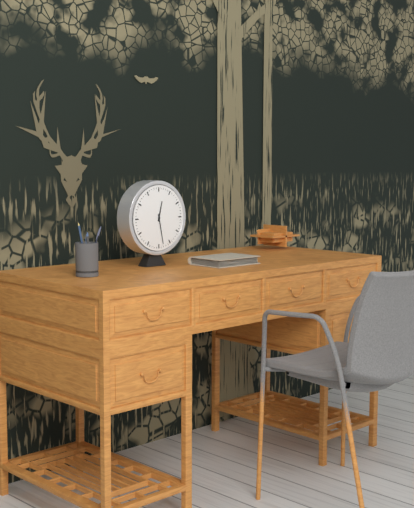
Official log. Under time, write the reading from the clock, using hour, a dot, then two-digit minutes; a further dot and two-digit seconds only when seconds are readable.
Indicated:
12.28
